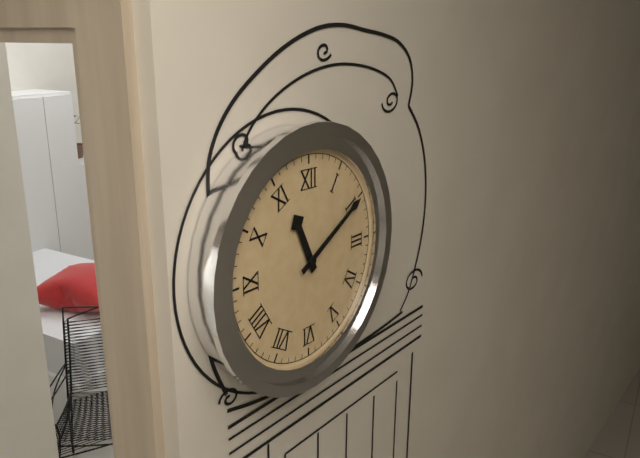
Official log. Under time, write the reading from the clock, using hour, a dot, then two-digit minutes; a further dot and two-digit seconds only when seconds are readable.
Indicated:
11.10
